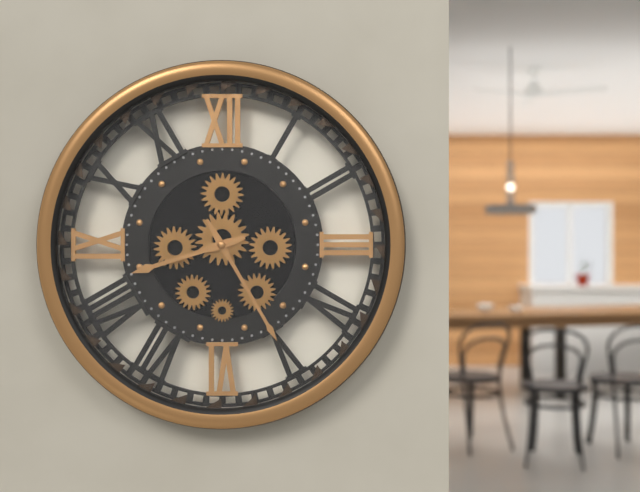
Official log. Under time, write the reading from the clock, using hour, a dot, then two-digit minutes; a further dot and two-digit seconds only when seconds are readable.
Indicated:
8.25
